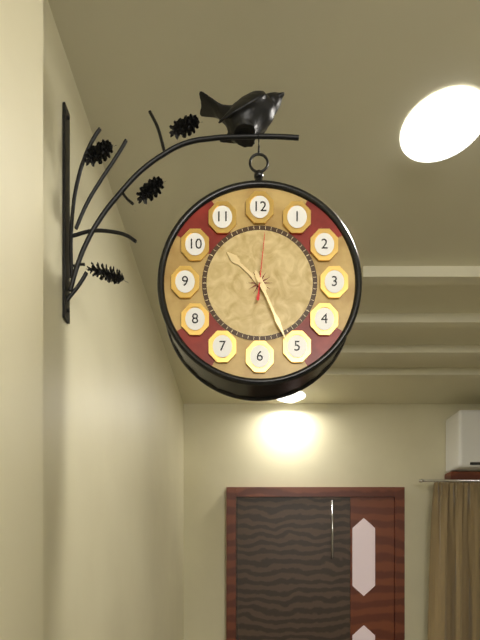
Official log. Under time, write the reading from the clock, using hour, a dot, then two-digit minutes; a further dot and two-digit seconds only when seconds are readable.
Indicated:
10.26.01
